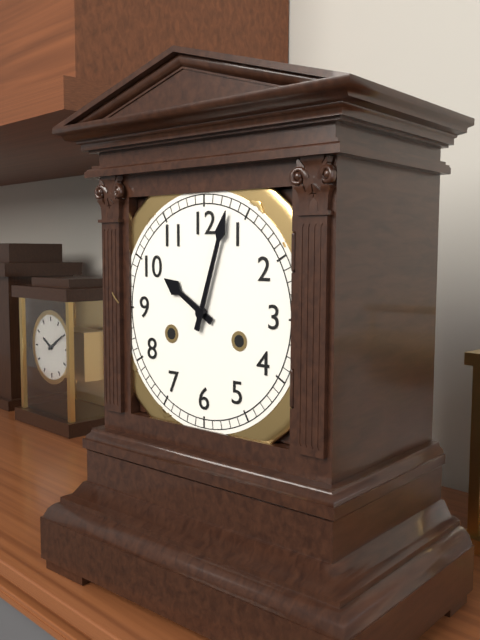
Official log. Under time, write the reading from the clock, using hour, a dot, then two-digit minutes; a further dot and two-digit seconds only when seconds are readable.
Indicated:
10.03
